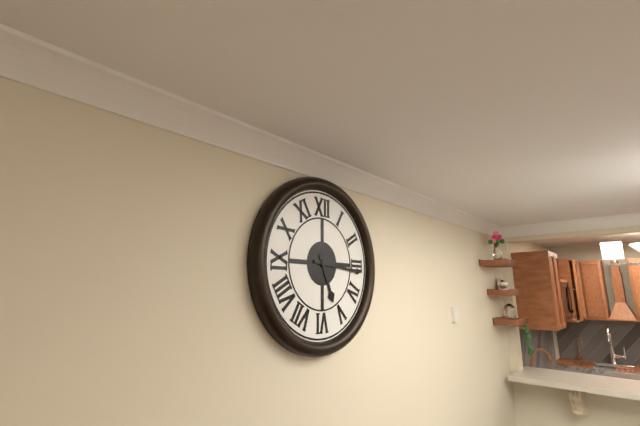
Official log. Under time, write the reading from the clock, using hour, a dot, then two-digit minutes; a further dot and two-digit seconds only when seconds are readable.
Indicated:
5.16
